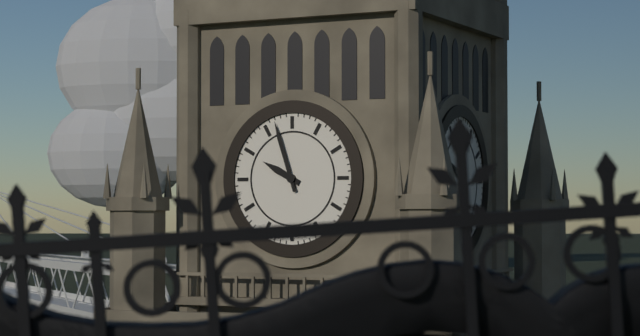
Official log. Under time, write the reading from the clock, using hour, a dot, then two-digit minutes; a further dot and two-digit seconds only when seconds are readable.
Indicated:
9.57
